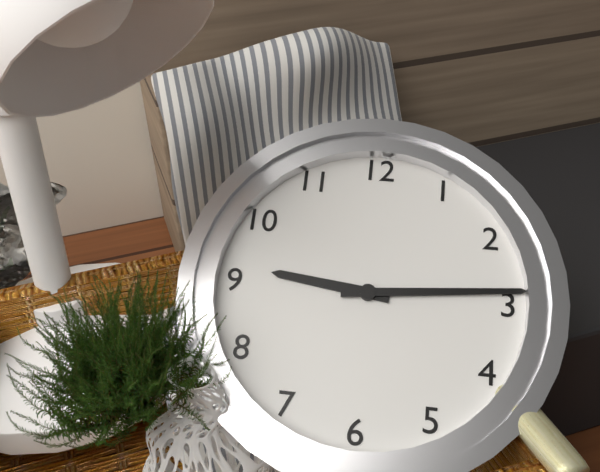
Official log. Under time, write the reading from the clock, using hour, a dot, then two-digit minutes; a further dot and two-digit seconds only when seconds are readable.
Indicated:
9.14
